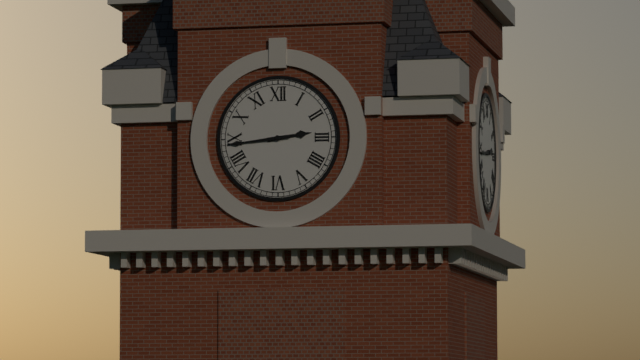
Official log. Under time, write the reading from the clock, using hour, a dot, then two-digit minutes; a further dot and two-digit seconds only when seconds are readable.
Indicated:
2.44
